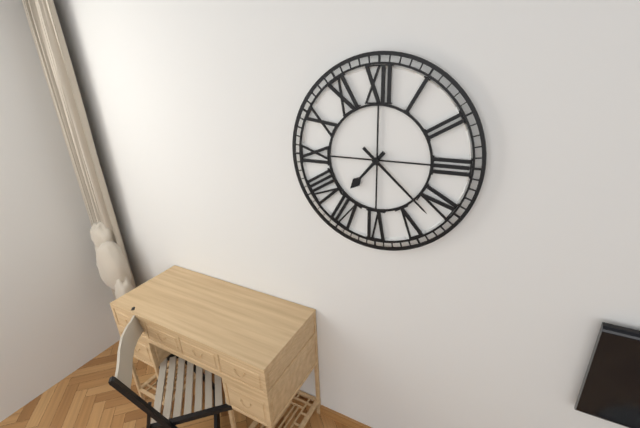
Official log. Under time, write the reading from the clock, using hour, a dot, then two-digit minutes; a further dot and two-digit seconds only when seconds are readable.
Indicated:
7.22
